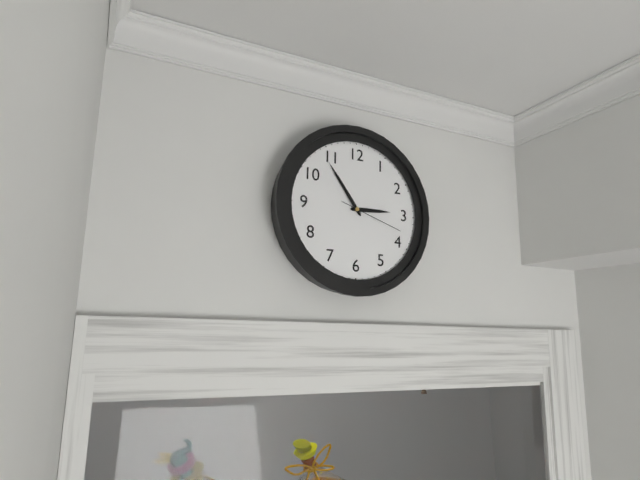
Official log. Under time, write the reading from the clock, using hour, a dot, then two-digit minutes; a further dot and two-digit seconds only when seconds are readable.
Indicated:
2.54.18
